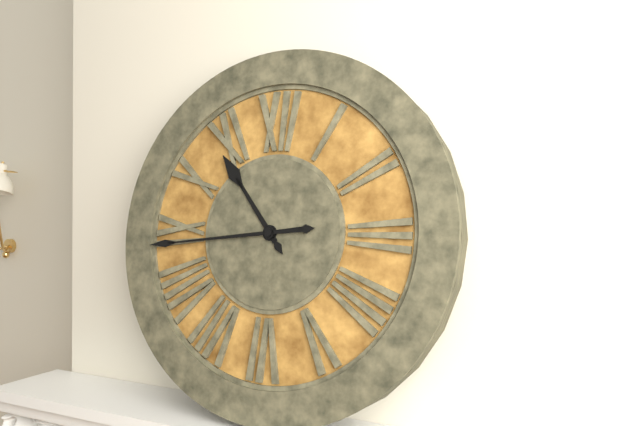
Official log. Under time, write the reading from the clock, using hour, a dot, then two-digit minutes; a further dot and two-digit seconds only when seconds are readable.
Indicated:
10.44
